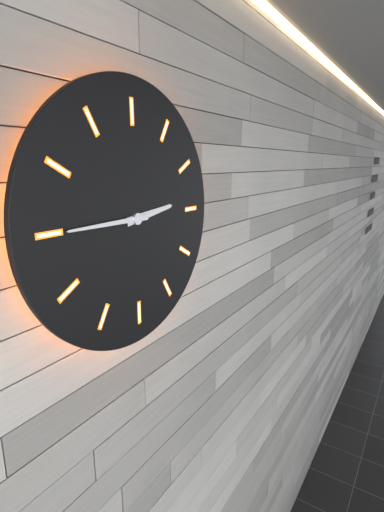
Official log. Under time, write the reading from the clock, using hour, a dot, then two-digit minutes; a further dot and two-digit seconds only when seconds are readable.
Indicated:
2.45
